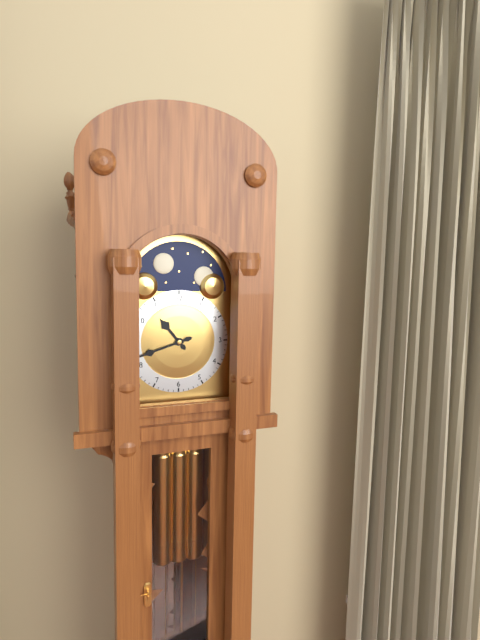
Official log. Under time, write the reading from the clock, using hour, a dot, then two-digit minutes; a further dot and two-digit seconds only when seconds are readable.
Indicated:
10.42
